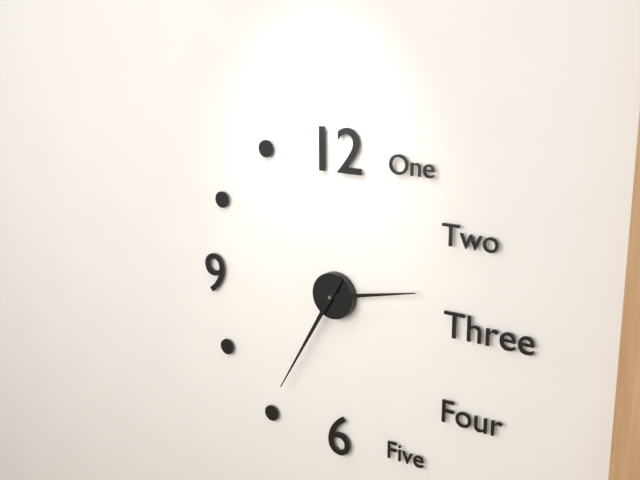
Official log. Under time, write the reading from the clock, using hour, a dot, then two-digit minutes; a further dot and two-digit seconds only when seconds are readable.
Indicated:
2.35
